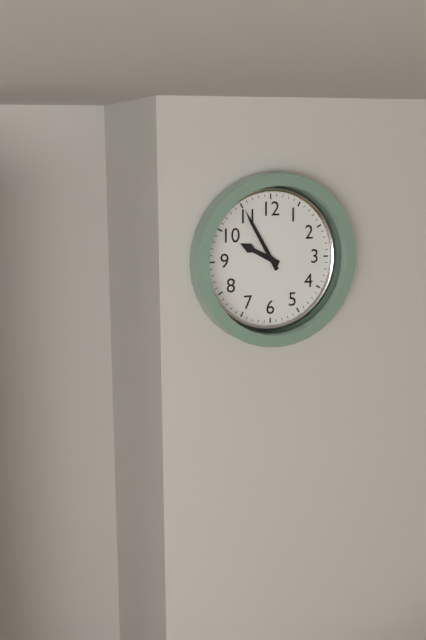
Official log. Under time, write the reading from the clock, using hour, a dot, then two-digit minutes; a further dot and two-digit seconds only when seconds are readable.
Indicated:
9.55
